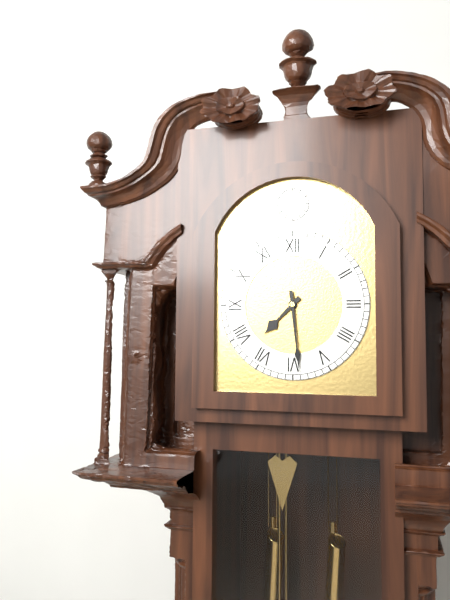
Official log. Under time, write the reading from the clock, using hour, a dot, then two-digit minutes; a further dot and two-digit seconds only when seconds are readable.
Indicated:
7.29
